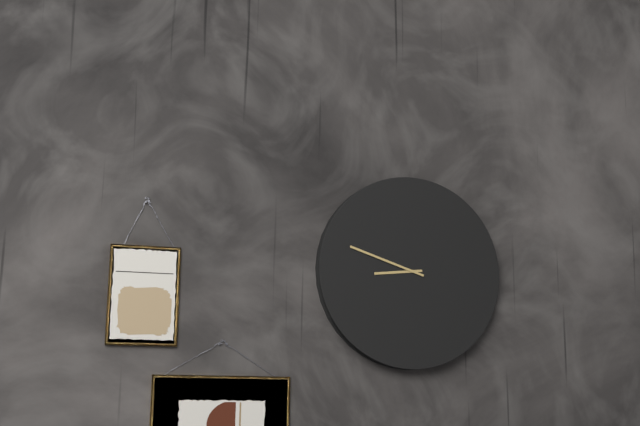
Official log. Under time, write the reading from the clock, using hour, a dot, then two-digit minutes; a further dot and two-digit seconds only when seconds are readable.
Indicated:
8.48
